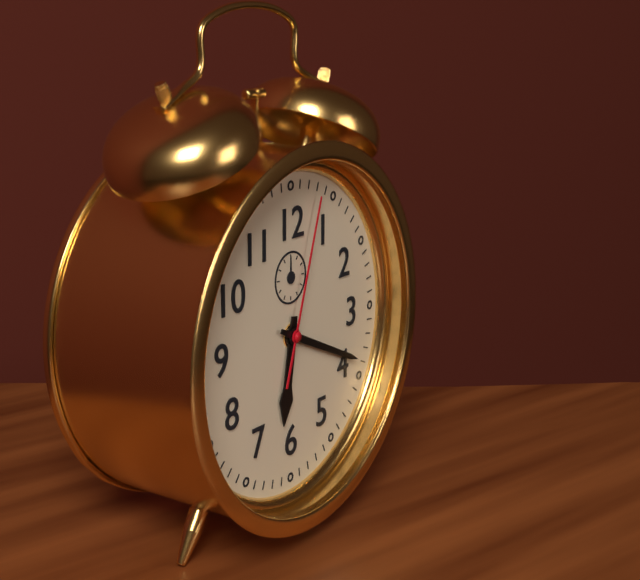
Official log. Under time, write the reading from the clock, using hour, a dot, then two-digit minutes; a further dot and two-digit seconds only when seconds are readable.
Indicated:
6.19.03
